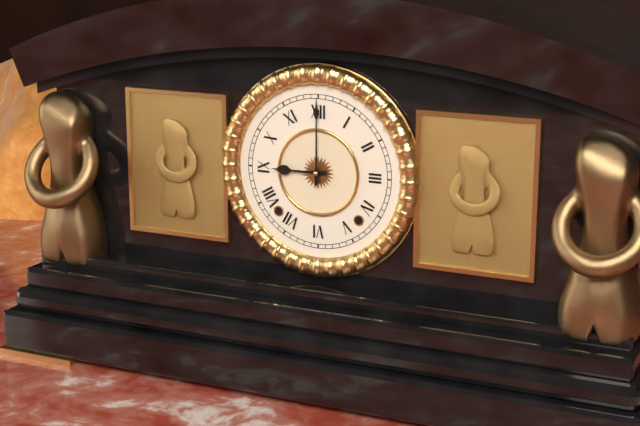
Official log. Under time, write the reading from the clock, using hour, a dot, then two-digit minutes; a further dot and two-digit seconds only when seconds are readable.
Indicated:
9.00
